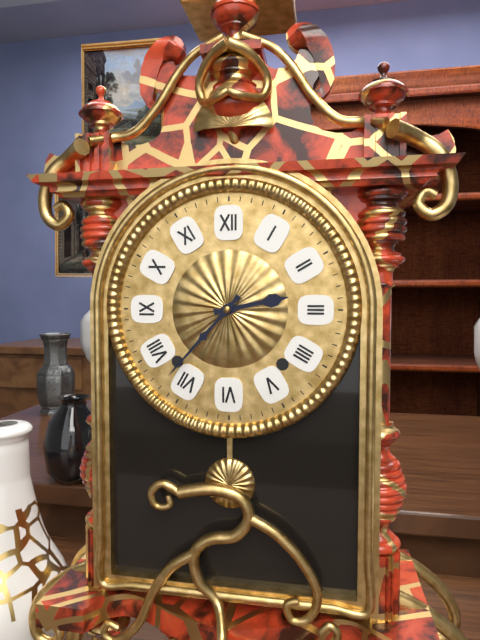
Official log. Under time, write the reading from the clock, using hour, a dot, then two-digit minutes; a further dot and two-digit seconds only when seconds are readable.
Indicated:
2.37
